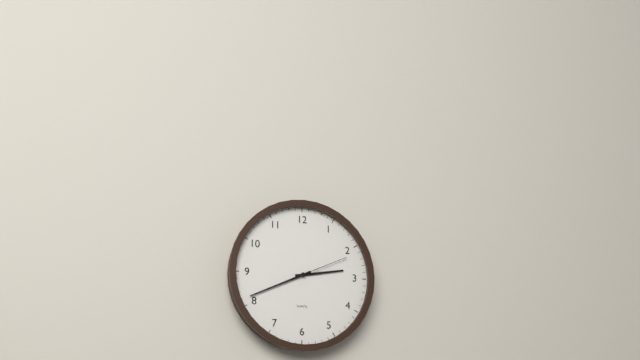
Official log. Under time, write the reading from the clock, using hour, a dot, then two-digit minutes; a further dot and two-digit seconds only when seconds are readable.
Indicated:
2.41.11
